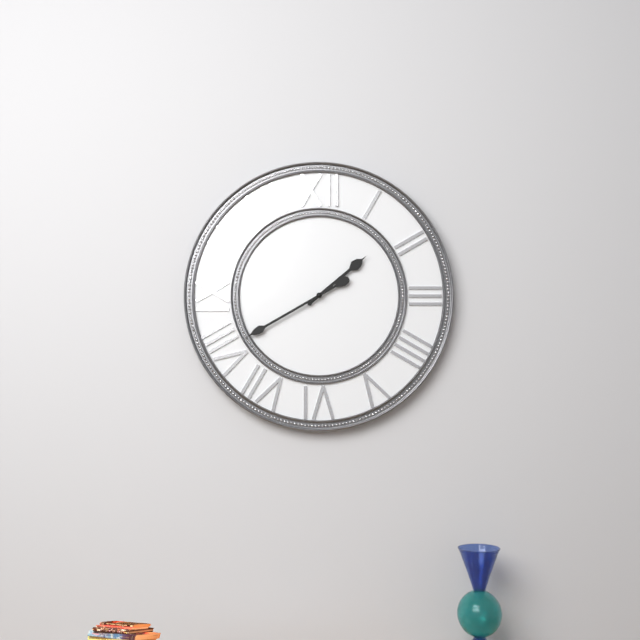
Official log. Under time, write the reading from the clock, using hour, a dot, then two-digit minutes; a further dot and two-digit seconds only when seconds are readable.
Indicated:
1.40
